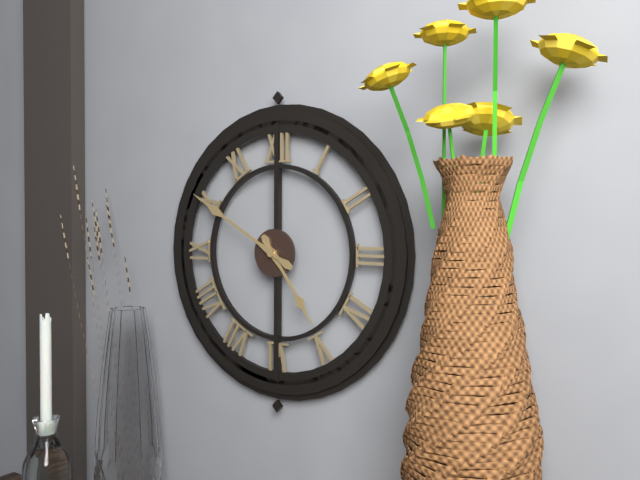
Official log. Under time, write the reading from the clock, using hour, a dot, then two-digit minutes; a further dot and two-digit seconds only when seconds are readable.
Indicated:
4.50
